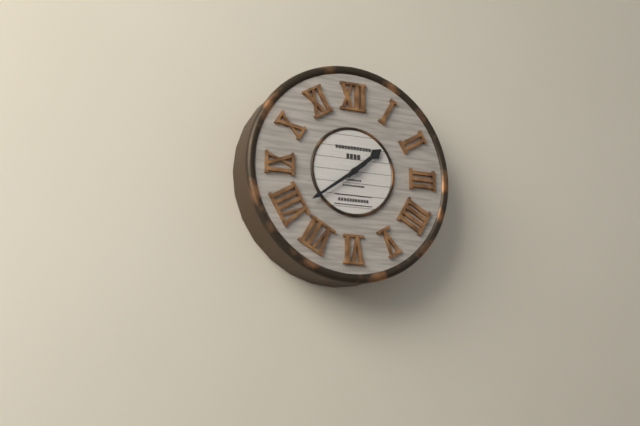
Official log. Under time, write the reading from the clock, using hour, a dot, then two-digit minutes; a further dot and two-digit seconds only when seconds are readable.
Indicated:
1.39
